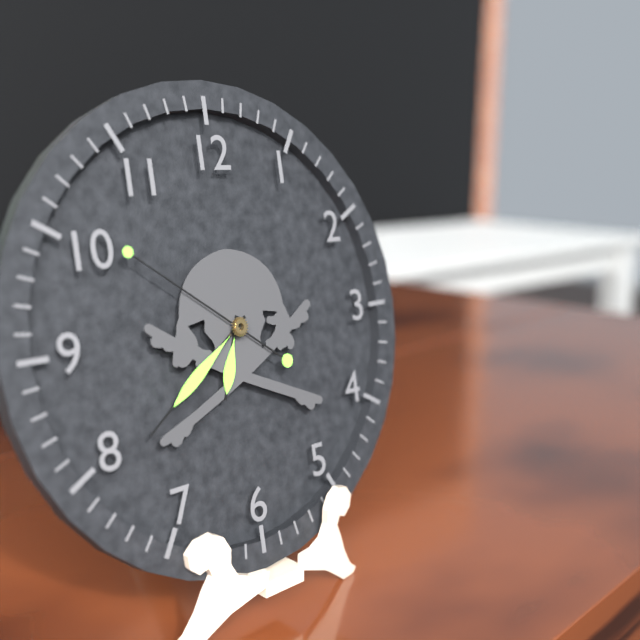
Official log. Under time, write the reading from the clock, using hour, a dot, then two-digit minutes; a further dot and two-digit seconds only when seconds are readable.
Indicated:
6.39.51
